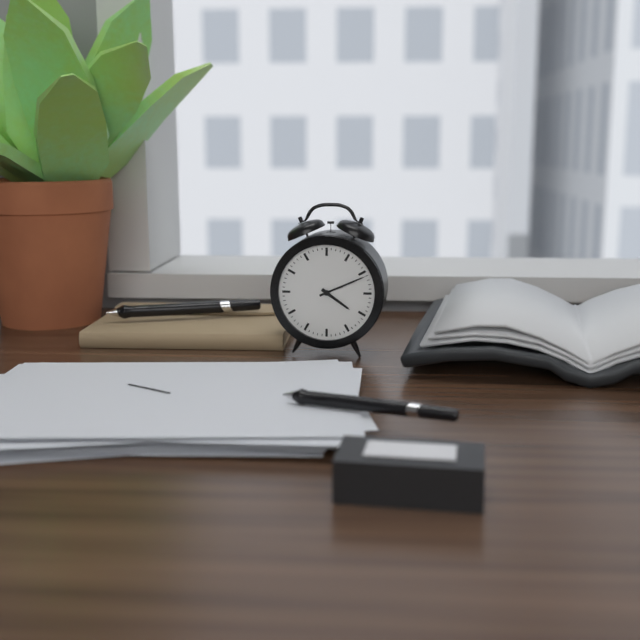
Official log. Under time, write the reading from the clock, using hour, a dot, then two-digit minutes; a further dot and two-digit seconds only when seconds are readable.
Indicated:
4.11
